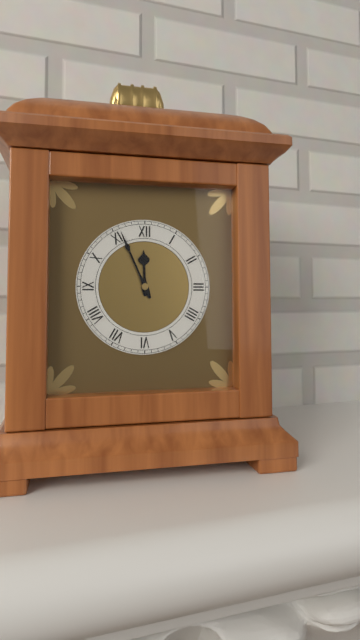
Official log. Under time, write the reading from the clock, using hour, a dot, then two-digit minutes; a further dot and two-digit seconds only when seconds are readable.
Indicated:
11.56
